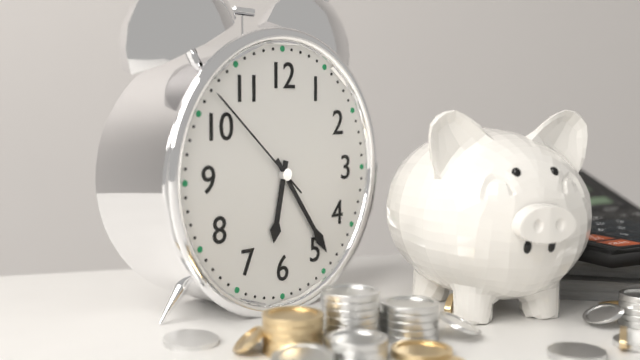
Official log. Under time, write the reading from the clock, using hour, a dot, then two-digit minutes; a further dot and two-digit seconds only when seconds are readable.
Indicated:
6.24.52
